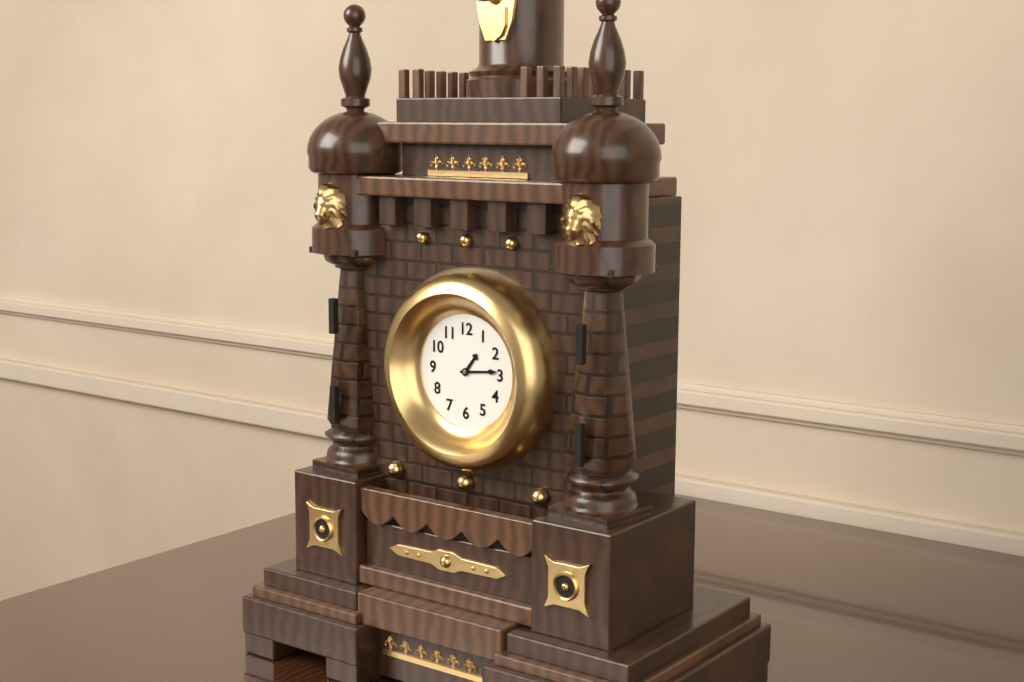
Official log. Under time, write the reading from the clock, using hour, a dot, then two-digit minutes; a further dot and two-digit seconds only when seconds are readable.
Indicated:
1.14
